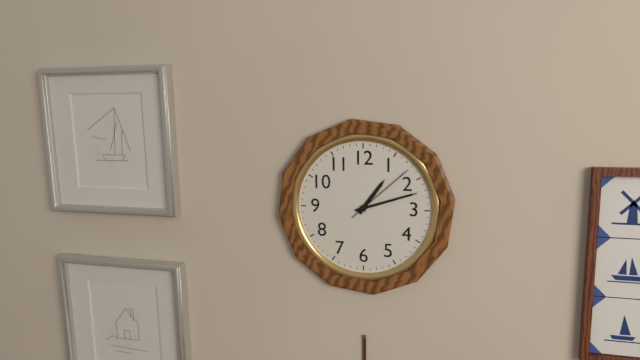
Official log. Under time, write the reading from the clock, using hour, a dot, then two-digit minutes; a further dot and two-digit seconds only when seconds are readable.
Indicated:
1.12.08
